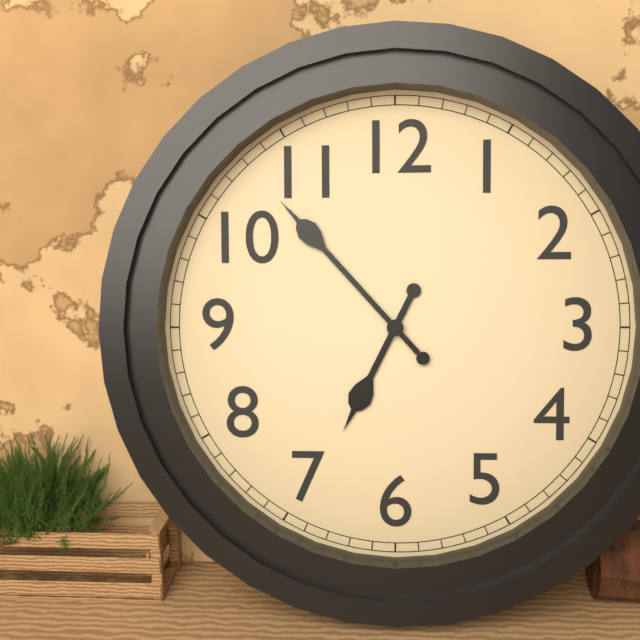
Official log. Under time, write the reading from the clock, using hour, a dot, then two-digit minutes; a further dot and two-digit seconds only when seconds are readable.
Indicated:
6.53
